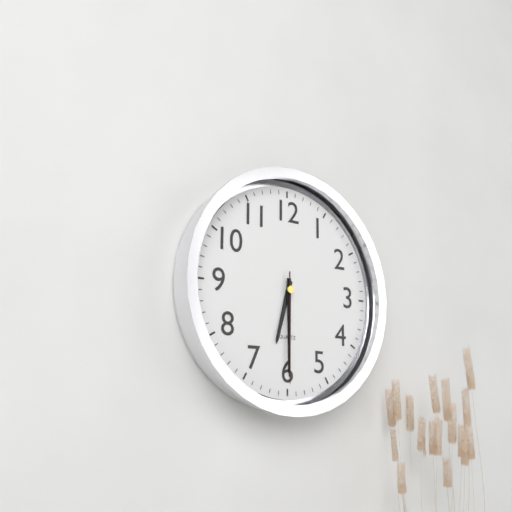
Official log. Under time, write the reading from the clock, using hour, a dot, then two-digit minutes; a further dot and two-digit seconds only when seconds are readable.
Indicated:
6.30.30
